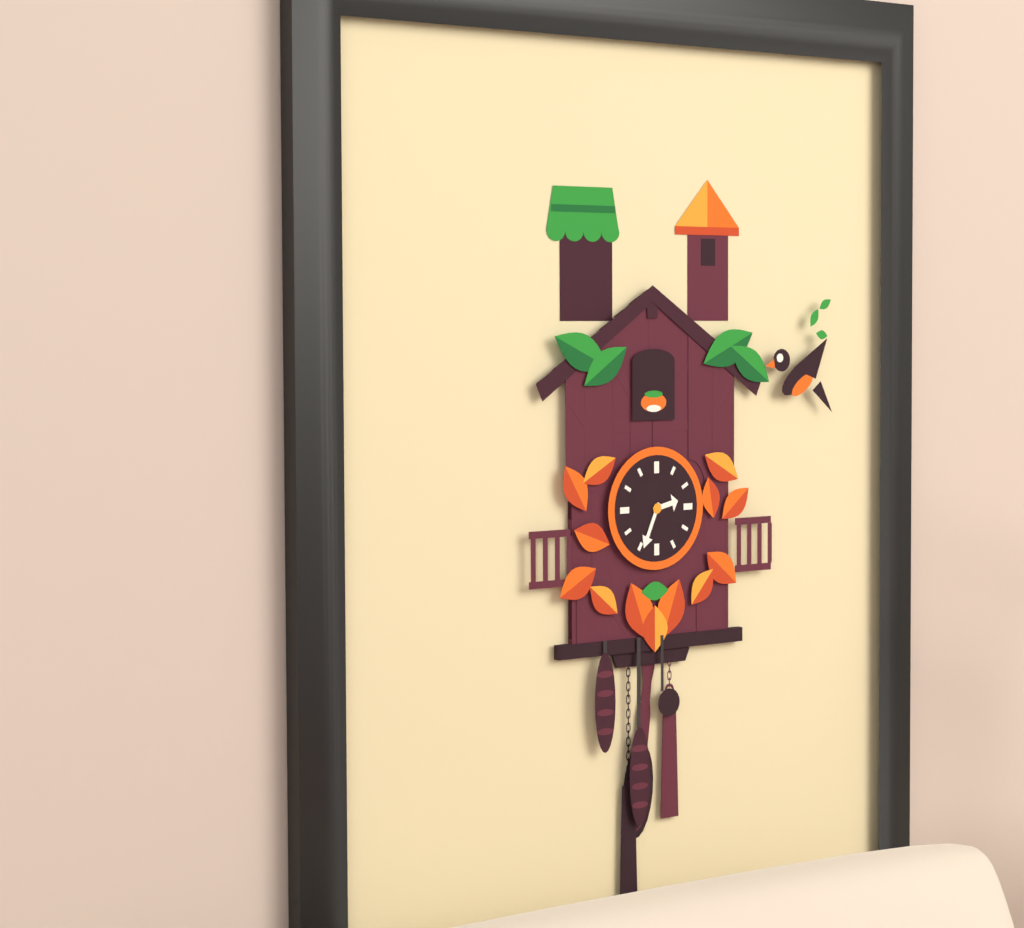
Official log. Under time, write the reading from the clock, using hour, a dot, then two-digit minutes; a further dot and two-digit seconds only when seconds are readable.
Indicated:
2.34
